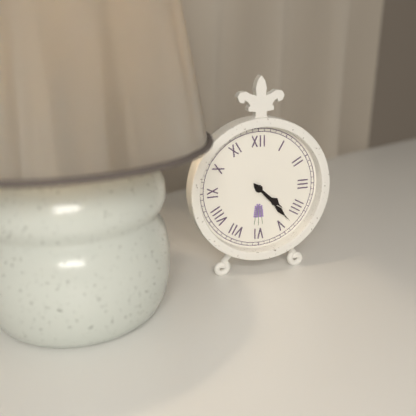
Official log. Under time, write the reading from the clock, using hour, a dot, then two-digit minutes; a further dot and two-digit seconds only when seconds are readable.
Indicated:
4.23
